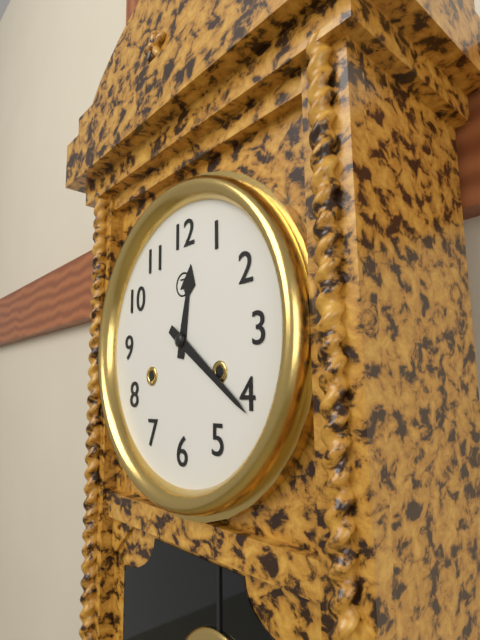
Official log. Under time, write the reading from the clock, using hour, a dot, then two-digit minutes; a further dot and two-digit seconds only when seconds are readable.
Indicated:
12.21
